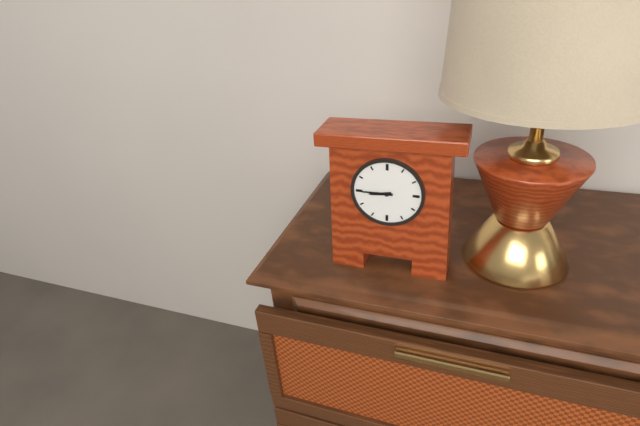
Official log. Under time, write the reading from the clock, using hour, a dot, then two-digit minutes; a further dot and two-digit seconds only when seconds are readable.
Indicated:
8.45
